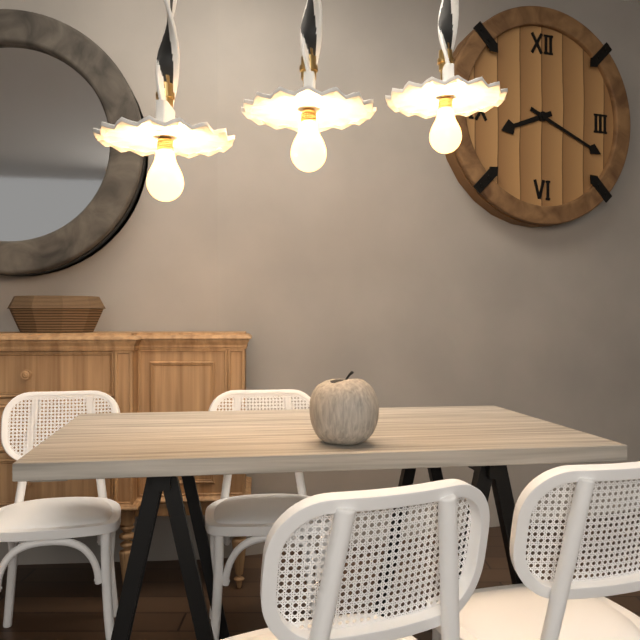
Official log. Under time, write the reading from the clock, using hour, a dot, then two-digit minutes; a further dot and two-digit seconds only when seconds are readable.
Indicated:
8.19
